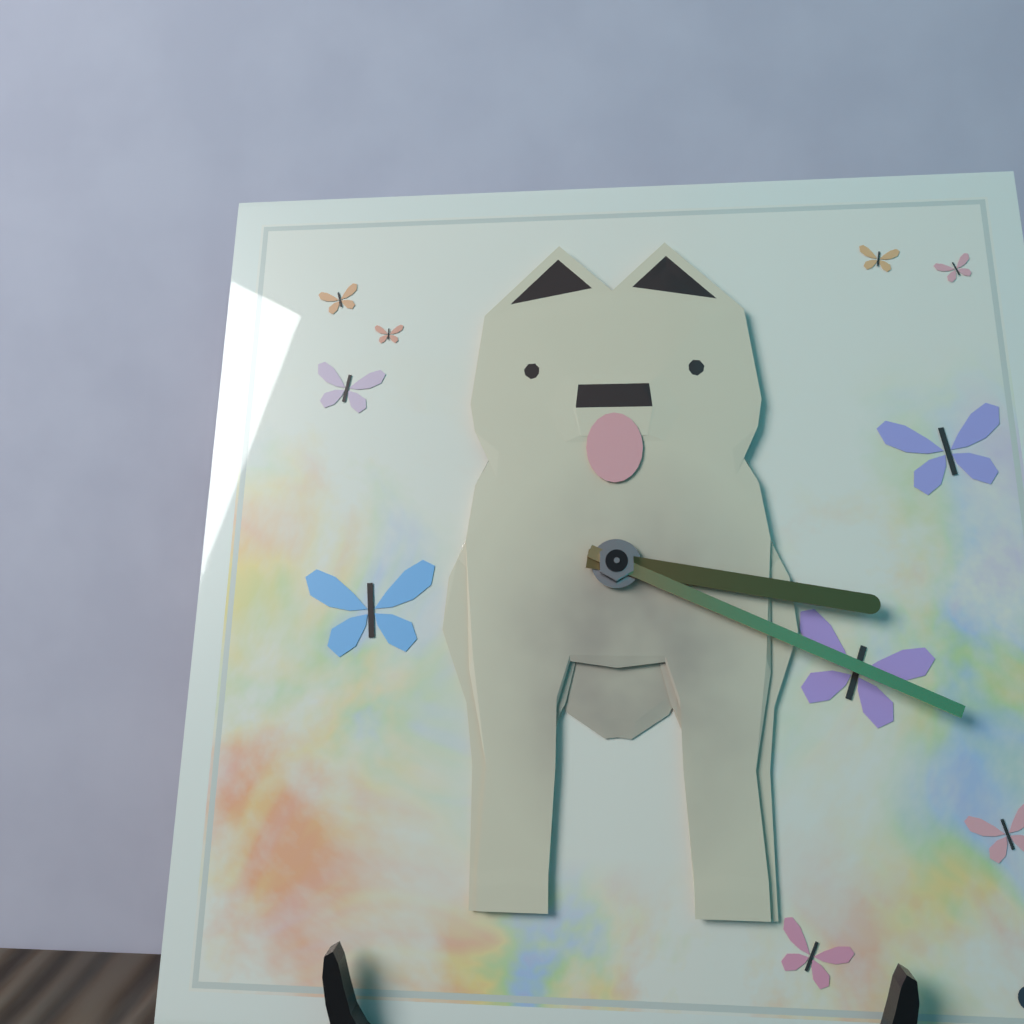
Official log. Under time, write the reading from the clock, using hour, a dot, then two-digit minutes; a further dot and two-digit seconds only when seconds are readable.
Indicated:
3.19
